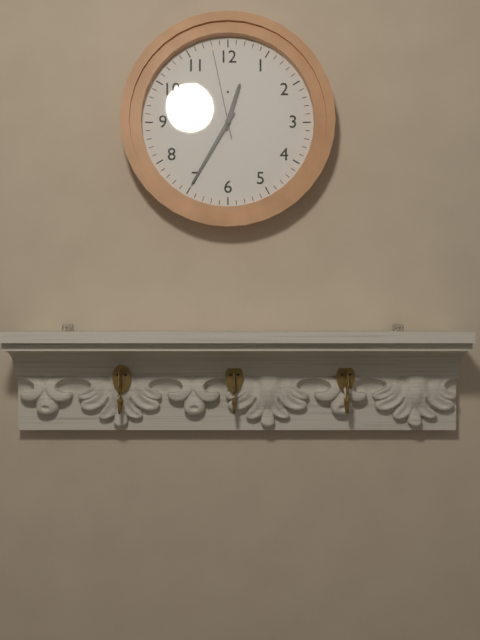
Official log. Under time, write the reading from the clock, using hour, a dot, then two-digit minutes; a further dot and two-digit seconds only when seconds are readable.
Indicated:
12.35.58
